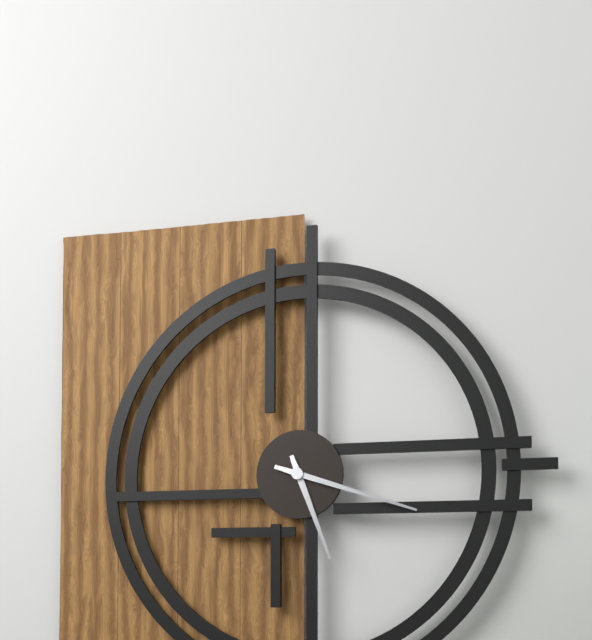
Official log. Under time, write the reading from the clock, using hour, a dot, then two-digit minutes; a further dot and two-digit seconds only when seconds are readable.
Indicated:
5.18
